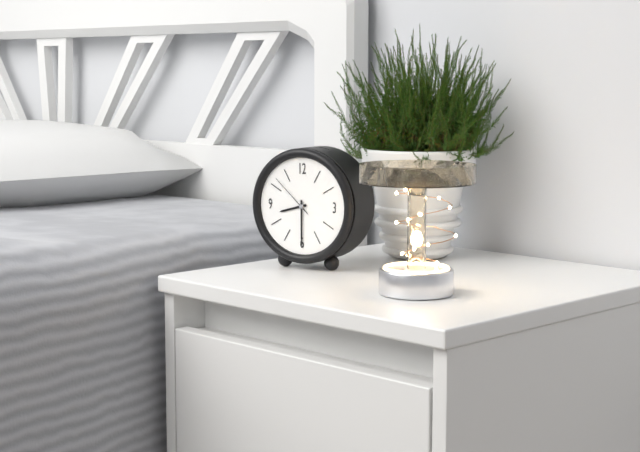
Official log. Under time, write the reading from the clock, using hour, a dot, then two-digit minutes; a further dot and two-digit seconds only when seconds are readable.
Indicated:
8.30
